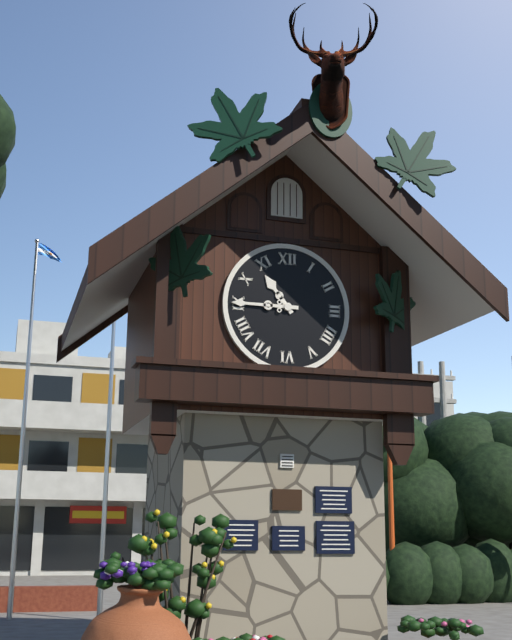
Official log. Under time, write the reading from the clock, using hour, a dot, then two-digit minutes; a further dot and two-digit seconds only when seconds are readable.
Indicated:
10.45
